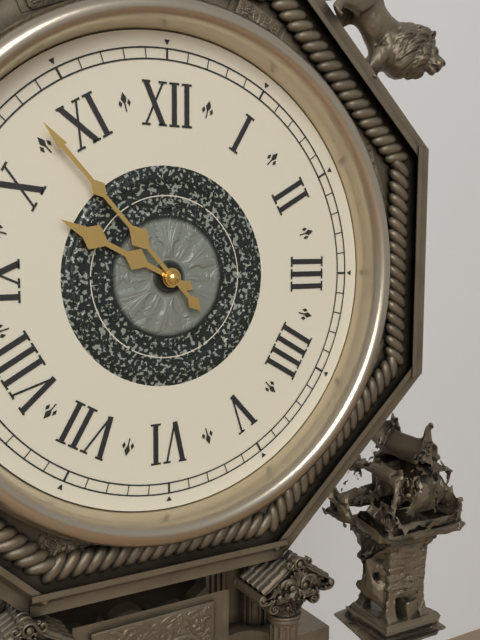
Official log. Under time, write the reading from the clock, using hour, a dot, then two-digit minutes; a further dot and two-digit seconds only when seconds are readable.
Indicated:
9.53
